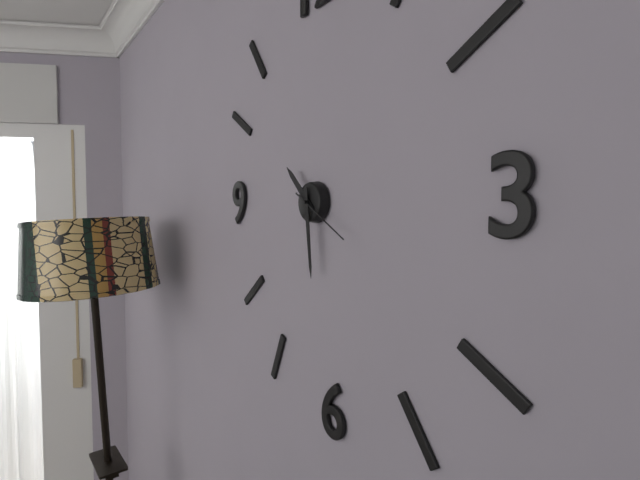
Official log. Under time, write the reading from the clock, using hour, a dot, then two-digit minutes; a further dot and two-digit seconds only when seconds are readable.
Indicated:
10.29.20
